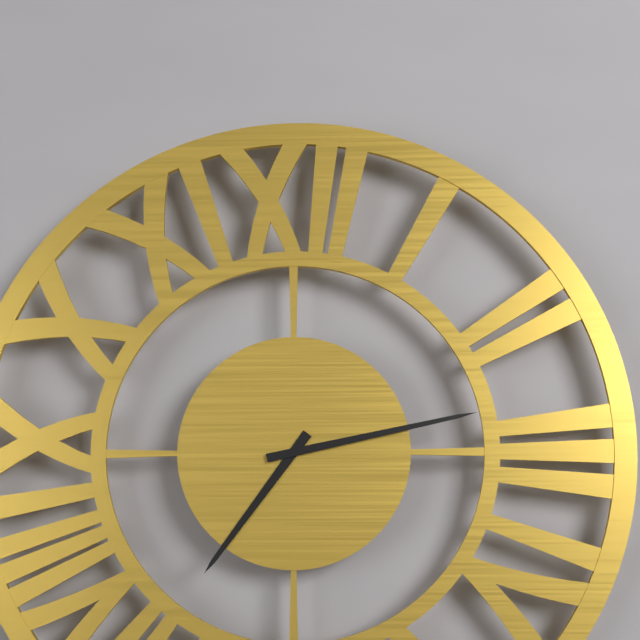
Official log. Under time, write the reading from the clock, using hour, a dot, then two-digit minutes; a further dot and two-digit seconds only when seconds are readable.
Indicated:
7.13
